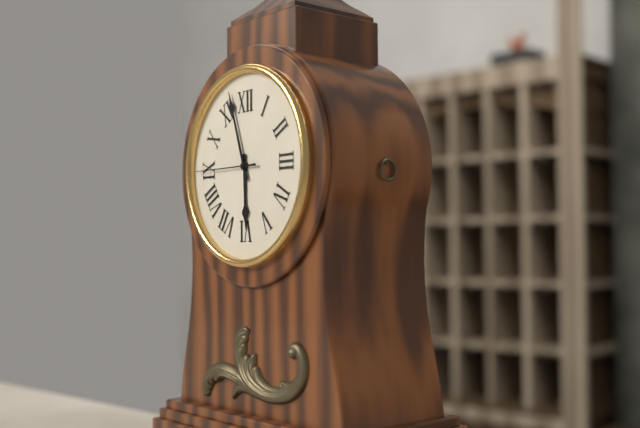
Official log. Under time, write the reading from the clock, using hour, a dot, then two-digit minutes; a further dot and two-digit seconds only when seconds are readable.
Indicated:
5.57.45
